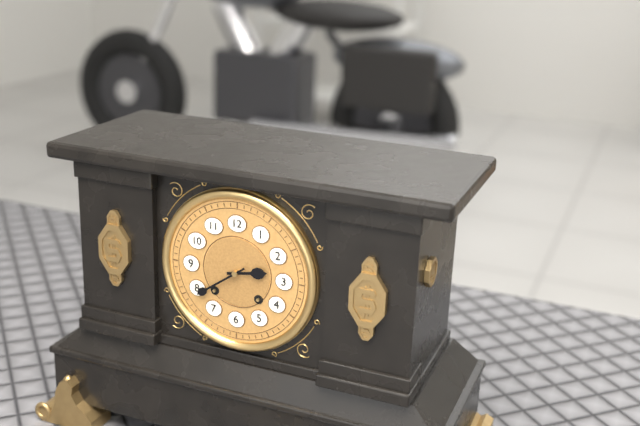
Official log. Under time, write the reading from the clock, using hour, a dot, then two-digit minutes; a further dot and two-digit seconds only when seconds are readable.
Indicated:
2.39
